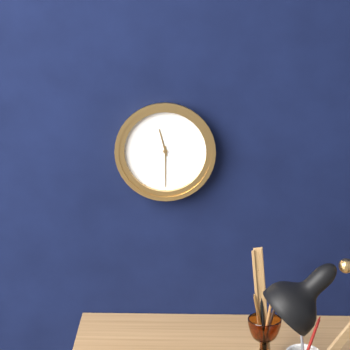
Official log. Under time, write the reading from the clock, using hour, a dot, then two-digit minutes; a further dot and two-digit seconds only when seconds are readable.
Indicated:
11.30
